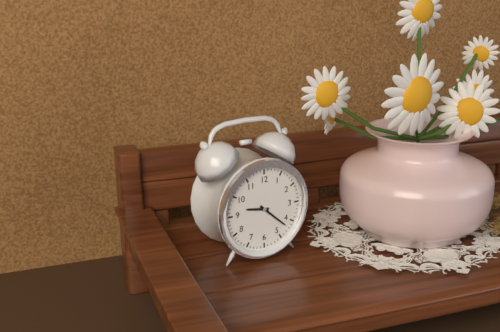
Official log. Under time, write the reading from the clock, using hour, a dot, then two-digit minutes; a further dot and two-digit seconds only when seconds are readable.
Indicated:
9.22
